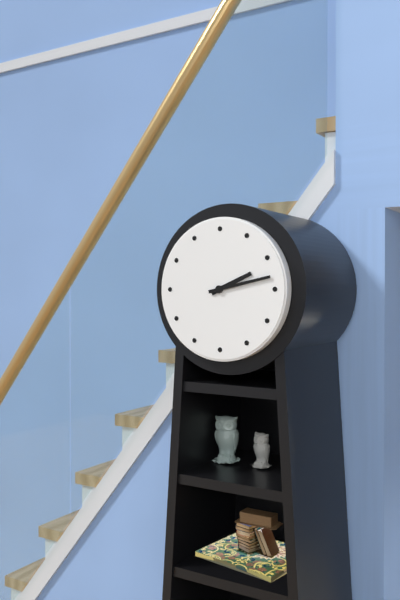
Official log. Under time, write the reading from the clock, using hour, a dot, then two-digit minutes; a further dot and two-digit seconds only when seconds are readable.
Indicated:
2.13
